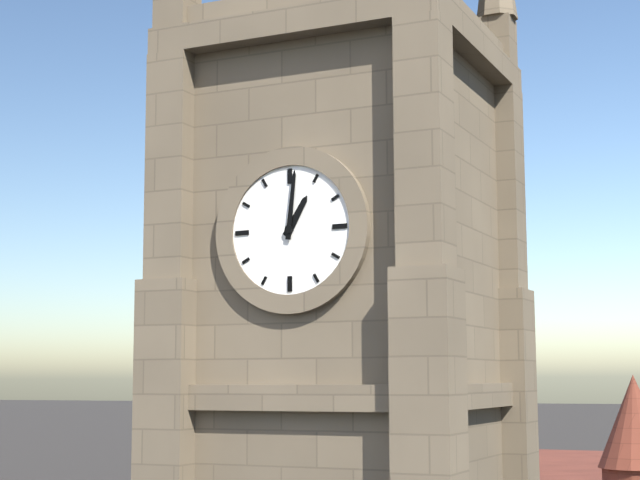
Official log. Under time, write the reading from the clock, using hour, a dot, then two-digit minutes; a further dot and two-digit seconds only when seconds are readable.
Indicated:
1.01
